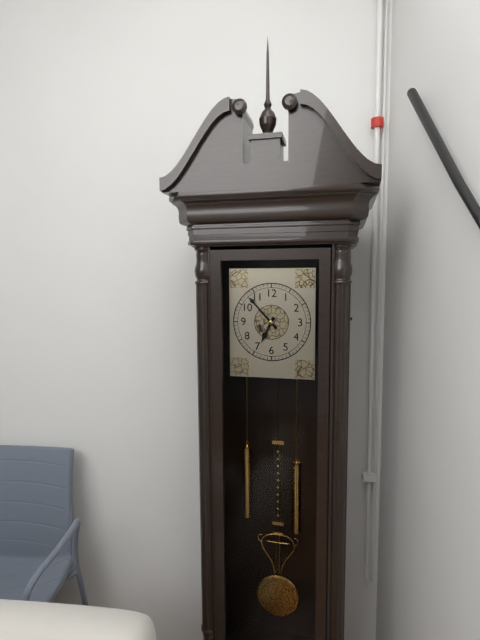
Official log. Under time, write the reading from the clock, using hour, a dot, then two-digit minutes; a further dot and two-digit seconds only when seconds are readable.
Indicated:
6.53
